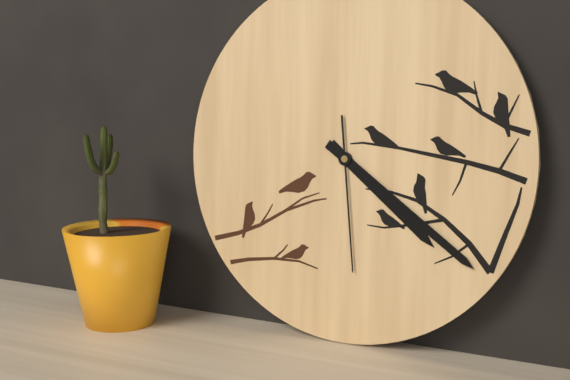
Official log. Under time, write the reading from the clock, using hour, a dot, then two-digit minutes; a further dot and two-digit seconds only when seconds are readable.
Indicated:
4.21.29
